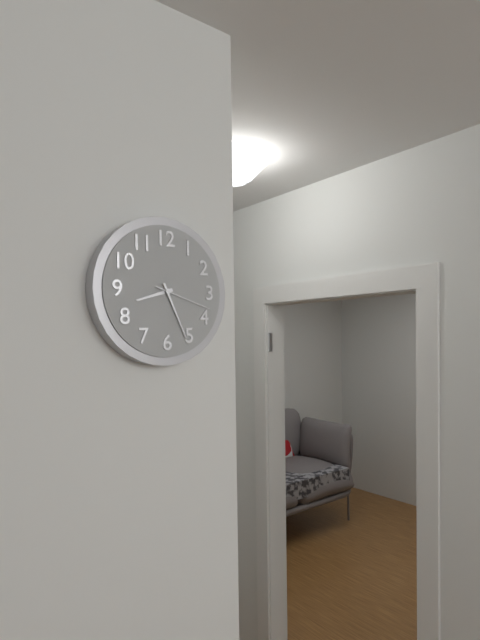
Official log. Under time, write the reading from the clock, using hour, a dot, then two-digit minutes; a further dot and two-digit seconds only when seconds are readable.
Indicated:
8.26.18
